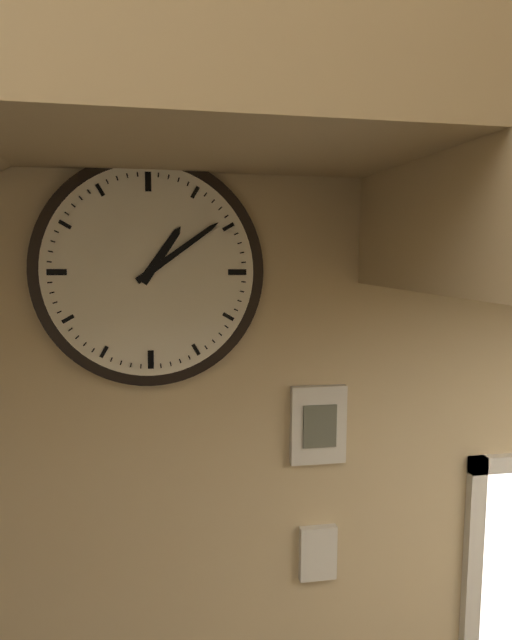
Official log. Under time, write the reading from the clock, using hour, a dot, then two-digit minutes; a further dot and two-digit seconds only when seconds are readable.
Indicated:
1.09
